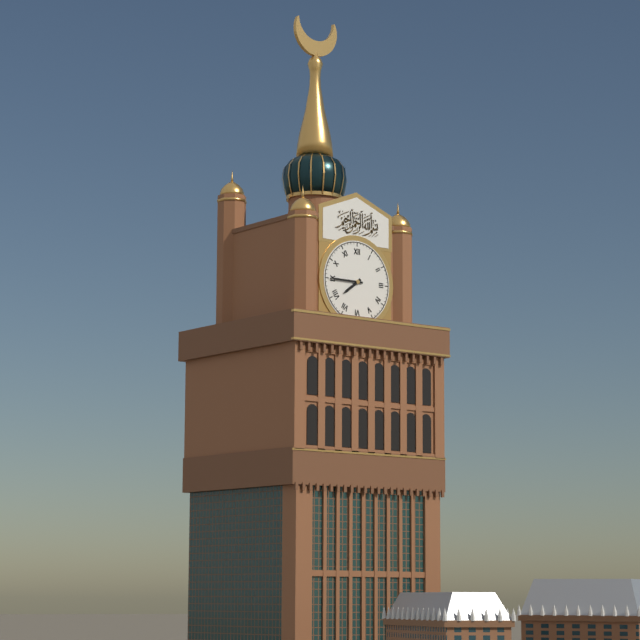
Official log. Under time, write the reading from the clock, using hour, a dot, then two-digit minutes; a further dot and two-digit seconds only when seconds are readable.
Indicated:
7.45
